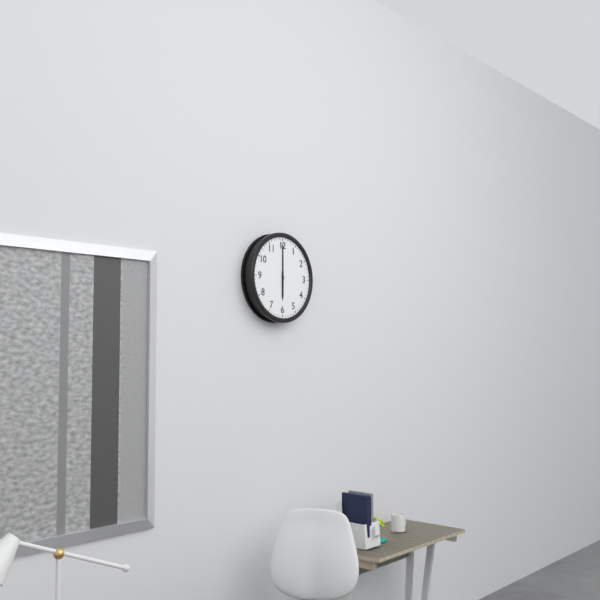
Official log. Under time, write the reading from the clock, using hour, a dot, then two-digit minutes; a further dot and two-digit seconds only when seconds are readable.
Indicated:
6.00
